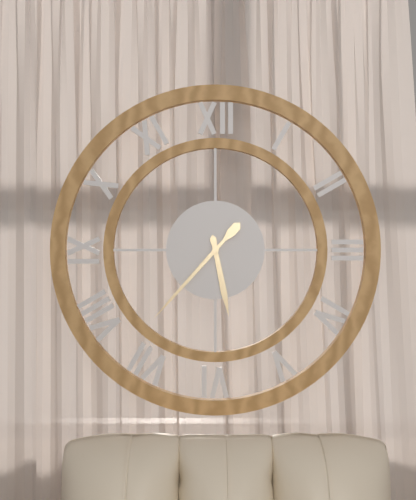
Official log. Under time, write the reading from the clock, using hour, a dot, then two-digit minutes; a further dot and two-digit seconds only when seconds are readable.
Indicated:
5.37
